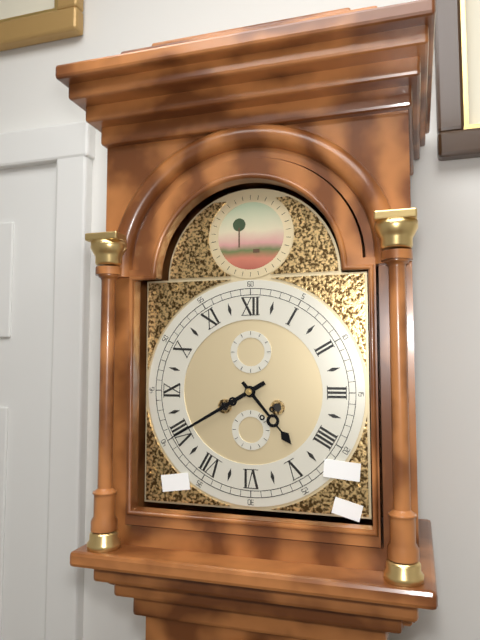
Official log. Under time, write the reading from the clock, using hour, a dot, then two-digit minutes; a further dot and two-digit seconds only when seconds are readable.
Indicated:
4.40
